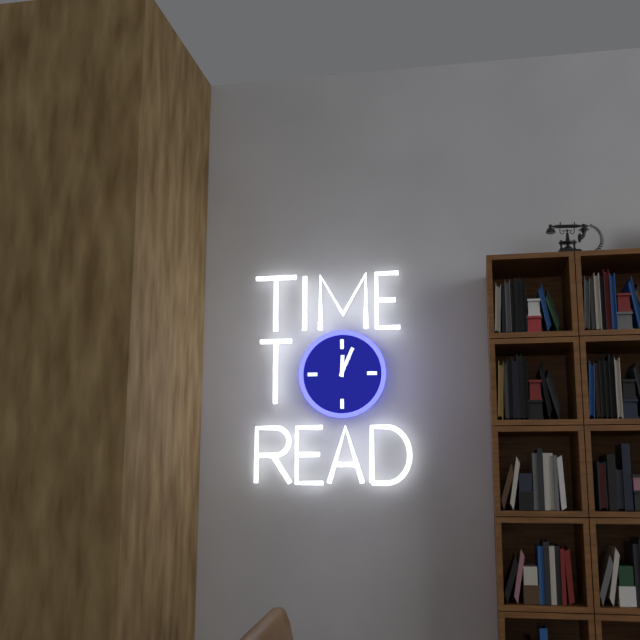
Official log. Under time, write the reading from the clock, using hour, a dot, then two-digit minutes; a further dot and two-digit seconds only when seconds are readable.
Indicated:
12.04
